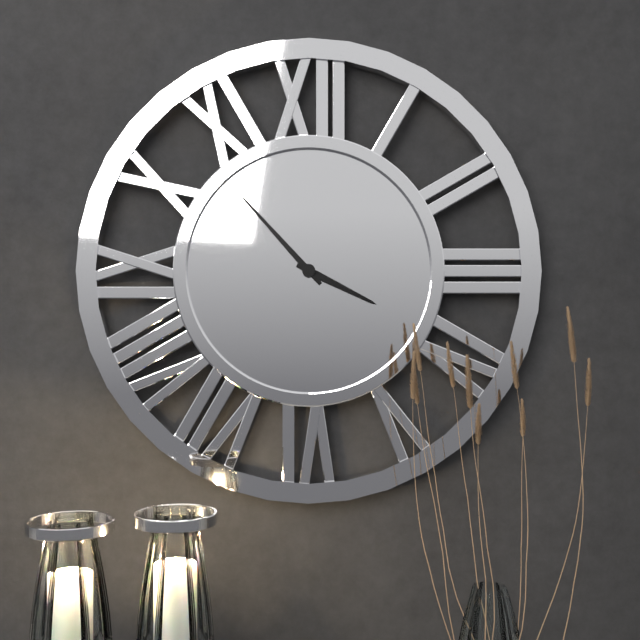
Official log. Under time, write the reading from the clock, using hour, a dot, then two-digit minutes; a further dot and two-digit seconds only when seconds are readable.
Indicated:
3.53
